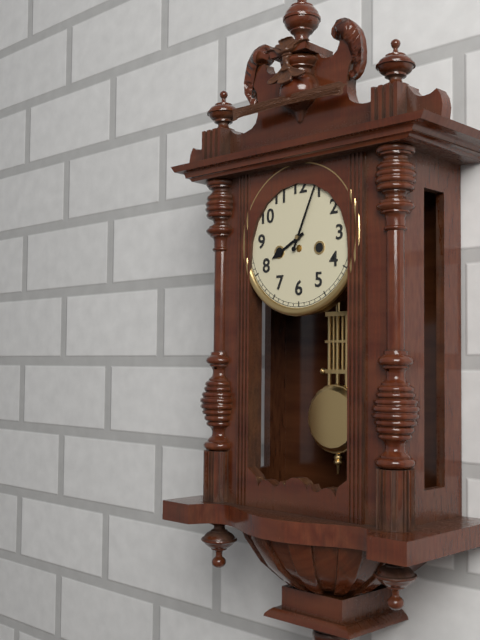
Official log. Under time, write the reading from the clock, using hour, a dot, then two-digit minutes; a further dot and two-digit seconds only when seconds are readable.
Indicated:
8.04
